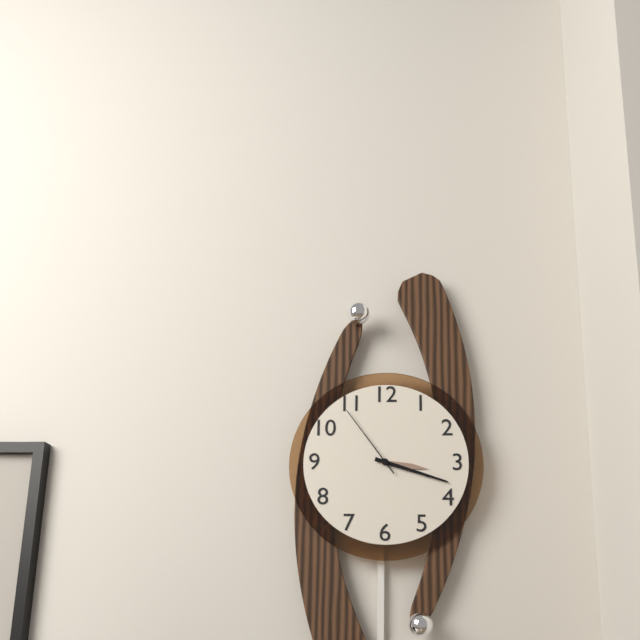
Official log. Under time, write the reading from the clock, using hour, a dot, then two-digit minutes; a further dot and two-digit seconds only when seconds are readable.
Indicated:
3.18.54
